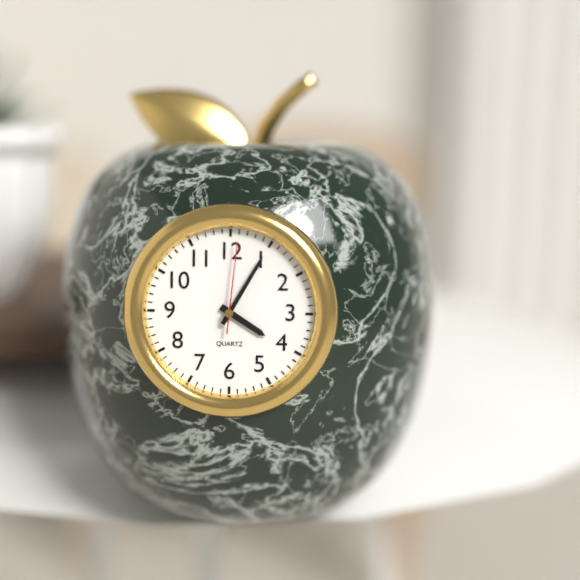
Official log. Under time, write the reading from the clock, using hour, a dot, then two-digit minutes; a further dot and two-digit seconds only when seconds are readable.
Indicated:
4.05.01
